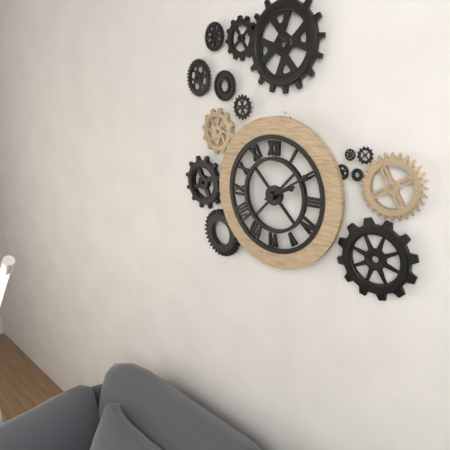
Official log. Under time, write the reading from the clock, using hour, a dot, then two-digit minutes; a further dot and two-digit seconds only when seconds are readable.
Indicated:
2.10
